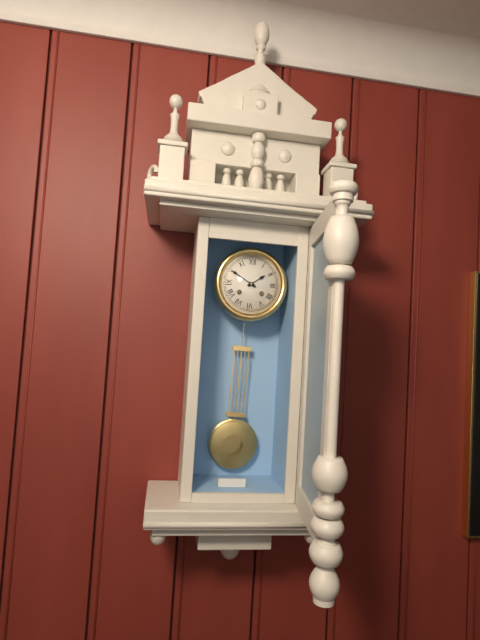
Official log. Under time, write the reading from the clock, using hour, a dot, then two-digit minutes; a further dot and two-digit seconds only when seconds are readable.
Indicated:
1.50
